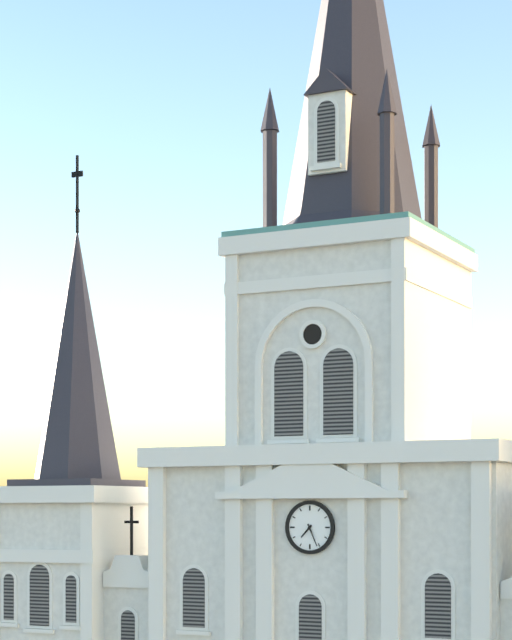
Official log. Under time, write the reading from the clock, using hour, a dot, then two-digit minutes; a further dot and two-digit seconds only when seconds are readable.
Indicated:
7.26
